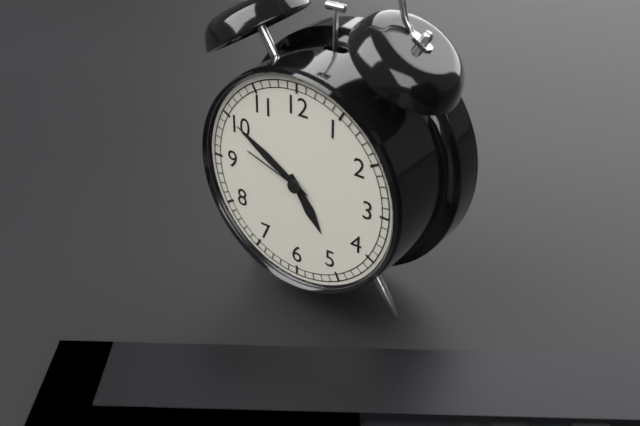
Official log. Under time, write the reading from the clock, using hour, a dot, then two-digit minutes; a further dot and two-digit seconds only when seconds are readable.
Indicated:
4.50.48
